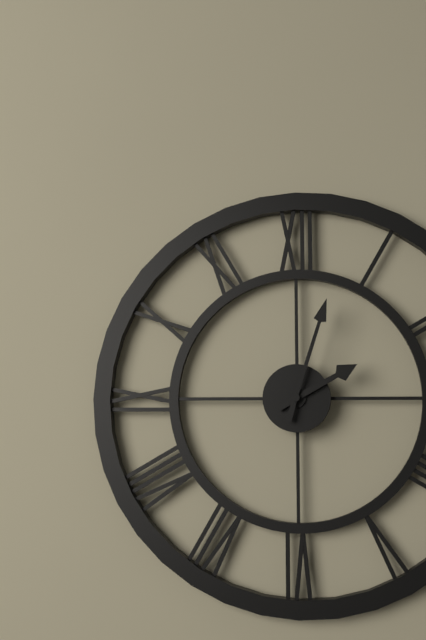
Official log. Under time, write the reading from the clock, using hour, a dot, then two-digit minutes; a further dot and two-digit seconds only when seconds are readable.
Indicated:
2.03
